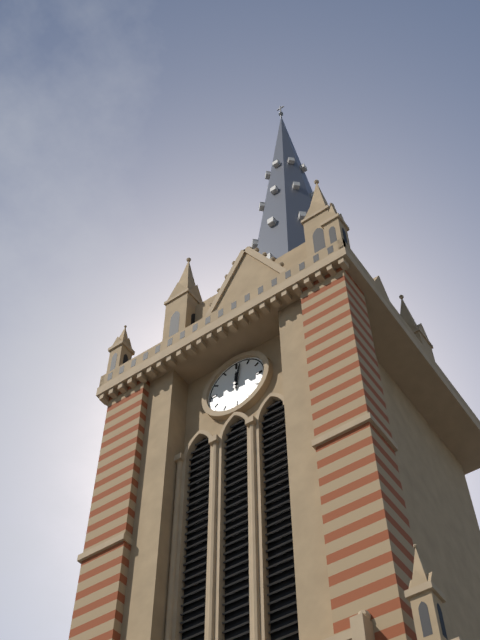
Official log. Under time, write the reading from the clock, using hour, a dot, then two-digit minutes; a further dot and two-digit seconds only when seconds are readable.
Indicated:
12.02
